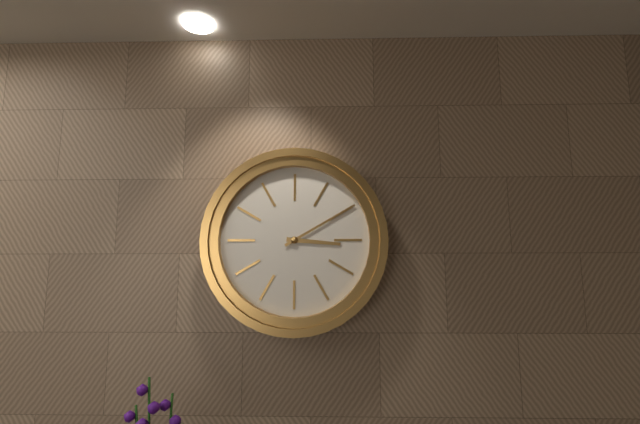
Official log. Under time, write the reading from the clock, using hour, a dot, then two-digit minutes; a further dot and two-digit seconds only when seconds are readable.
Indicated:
3.10
